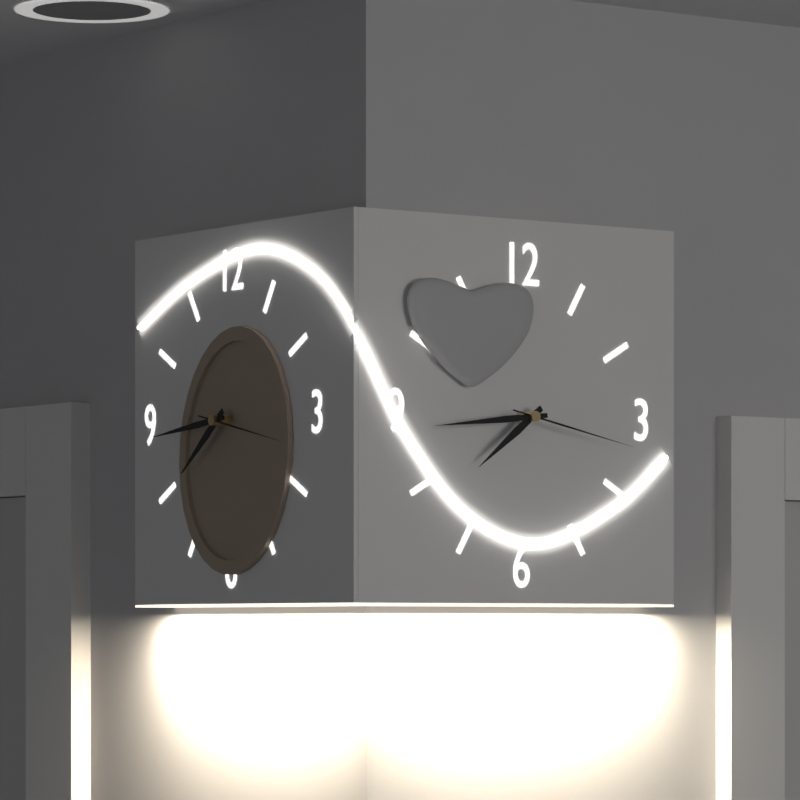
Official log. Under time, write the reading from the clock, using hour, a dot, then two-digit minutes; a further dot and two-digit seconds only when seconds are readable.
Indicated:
7.44.17
